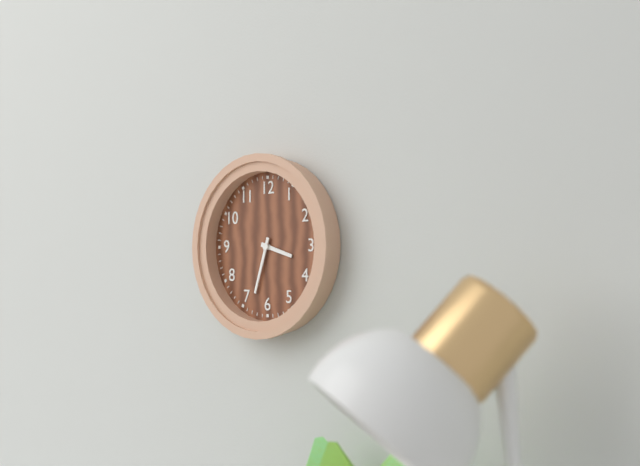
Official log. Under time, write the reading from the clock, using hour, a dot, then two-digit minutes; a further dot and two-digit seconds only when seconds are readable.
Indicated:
3.33
